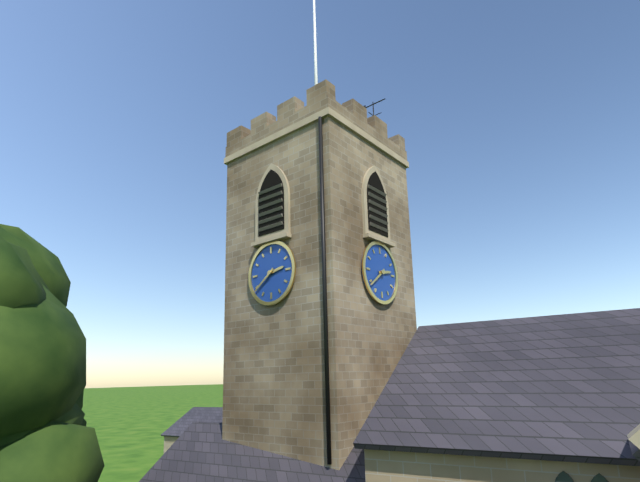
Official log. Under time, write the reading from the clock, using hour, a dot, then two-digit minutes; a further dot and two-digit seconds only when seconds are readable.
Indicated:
2.39
